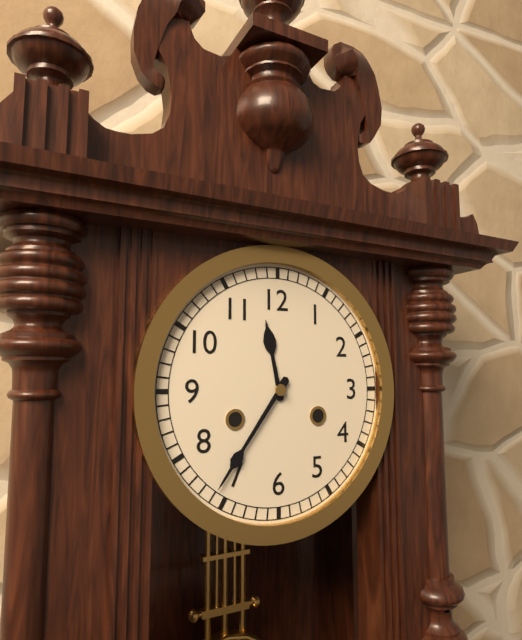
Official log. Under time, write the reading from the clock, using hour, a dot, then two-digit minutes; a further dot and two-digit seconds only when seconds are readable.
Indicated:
11.36
